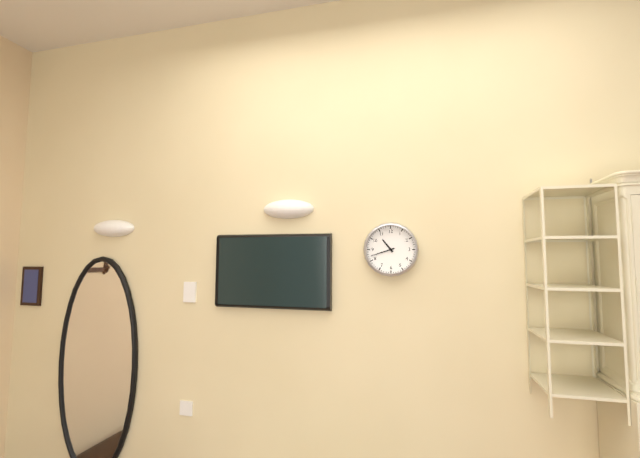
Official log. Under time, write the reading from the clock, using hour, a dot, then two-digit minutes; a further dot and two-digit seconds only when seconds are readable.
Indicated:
10.42
